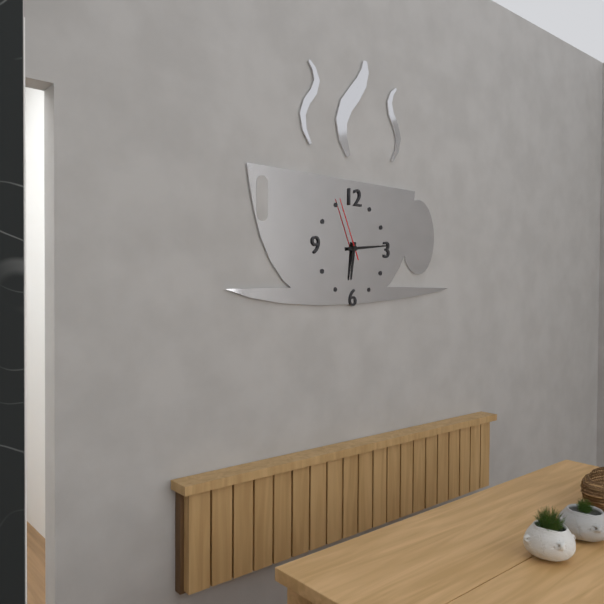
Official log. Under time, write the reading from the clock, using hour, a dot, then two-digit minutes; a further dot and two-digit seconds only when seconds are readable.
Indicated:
6.14.56
